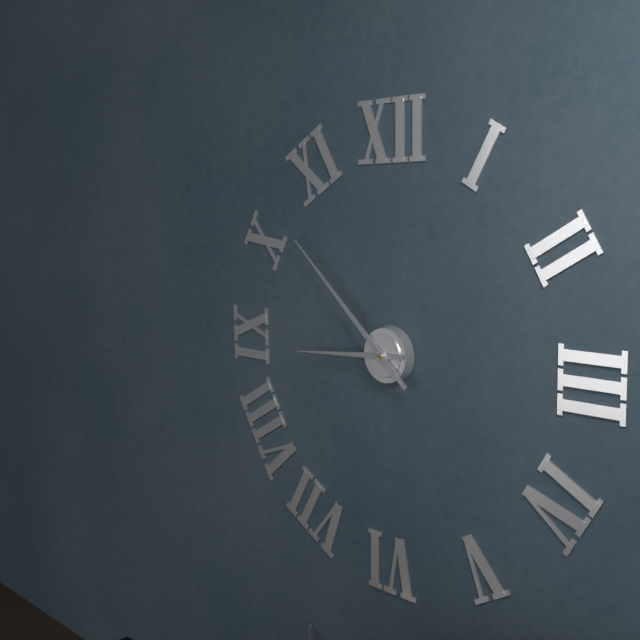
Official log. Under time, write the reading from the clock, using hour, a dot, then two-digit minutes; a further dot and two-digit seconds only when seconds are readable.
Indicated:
8.52
